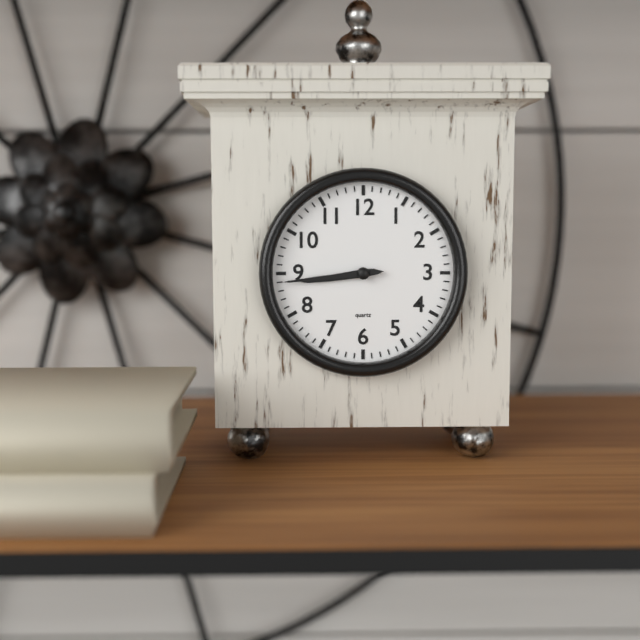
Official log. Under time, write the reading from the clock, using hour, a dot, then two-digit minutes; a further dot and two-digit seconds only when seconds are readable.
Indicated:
8.44
